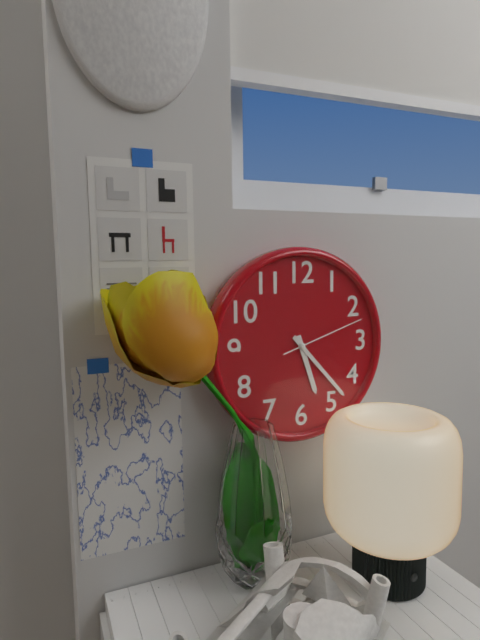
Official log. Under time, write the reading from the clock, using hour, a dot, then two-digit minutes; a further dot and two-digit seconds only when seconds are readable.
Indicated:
5.23.12
